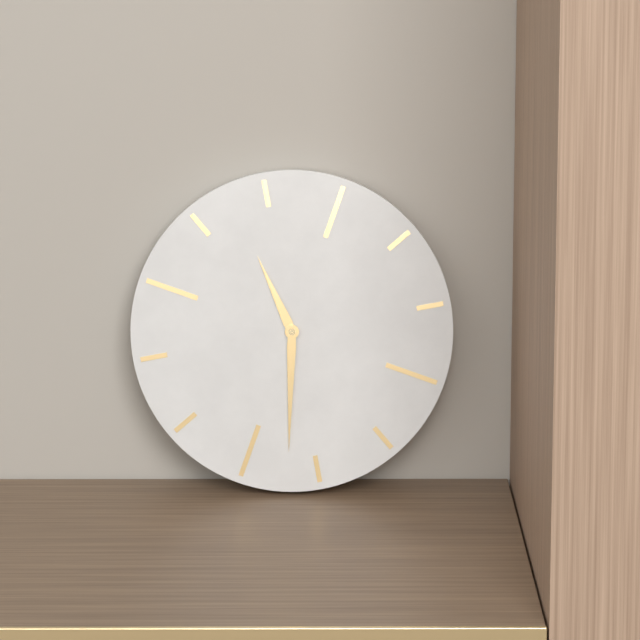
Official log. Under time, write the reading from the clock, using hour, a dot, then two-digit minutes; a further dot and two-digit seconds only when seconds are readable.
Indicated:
11.32
